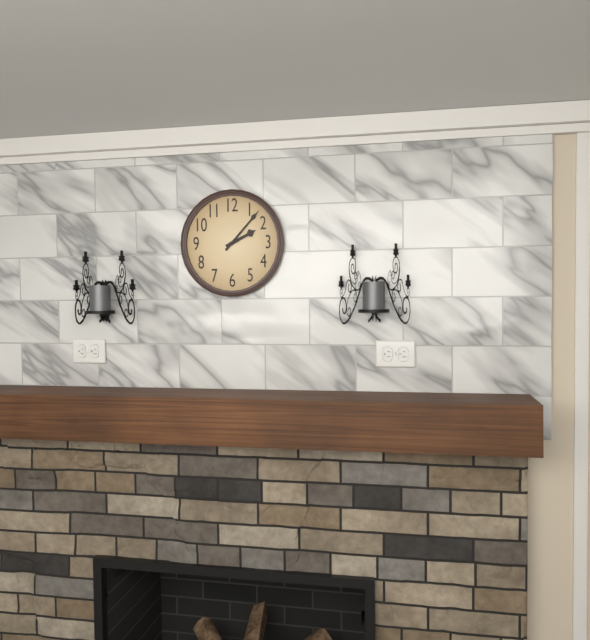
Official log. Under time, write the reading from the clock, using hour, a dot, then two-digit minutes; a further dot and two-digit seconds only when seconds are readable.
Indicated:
2.07
